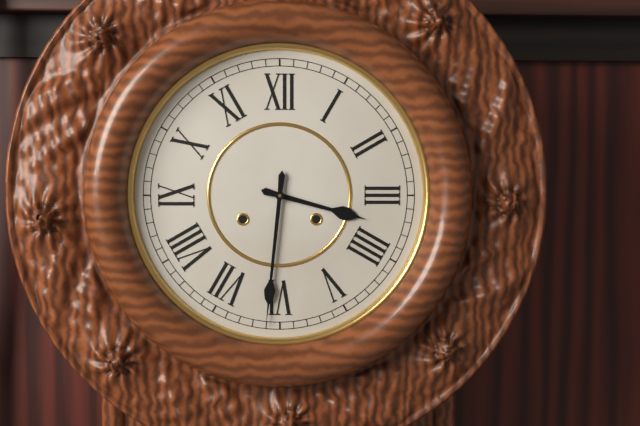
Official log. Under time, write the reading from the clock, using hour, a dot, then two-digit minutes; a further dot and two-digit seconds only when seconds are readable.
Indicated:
3.31
